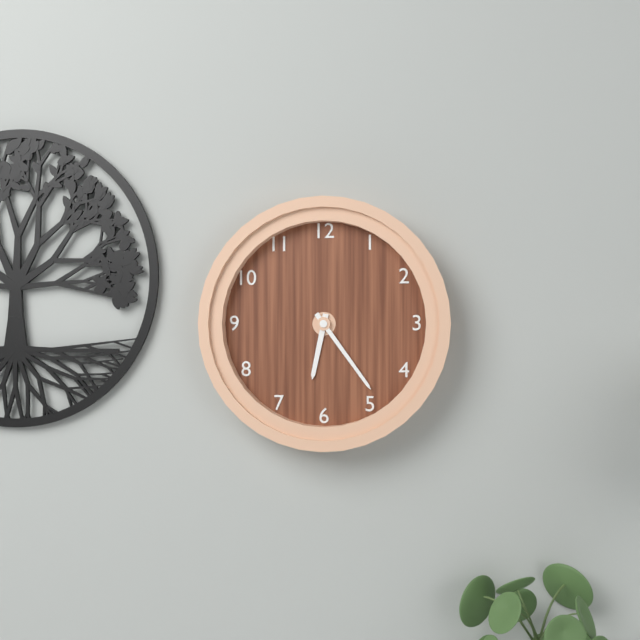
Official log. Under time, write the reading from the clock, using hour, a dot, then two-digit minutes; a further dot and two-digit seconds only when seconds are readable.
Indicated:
6.24
